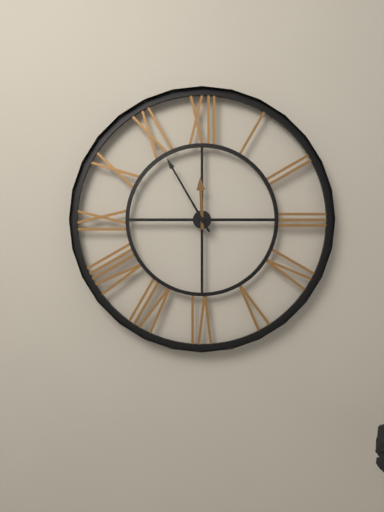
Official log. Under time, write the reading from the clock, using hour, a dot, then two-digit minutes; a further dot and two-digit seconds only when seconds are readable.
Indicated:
11.55
